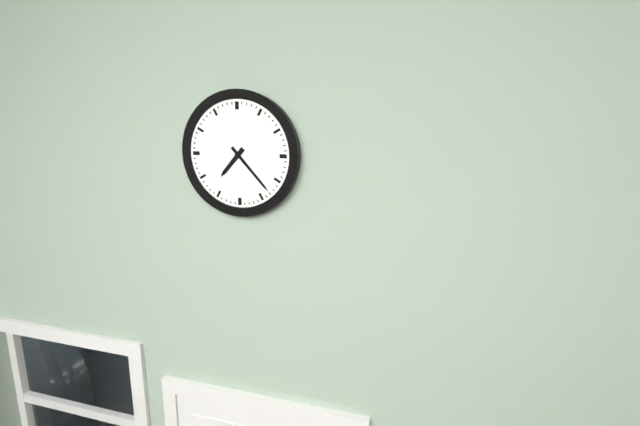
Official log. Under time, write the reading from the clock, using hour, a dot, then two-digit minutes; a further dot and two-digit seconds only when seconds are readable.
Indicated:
7.23
